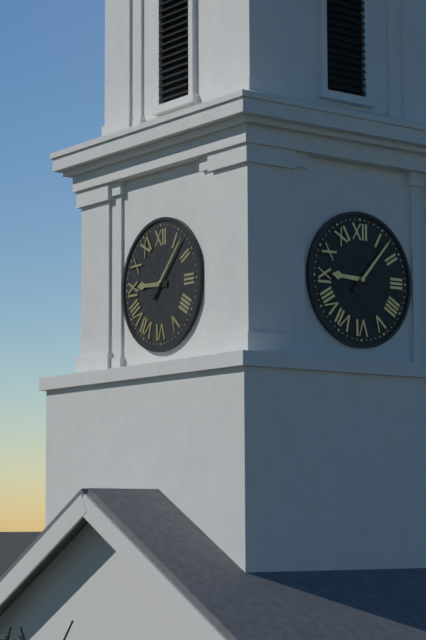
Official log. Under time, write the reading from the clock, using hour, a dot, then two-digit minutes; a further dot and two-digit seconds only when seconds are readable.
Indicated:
9.07
